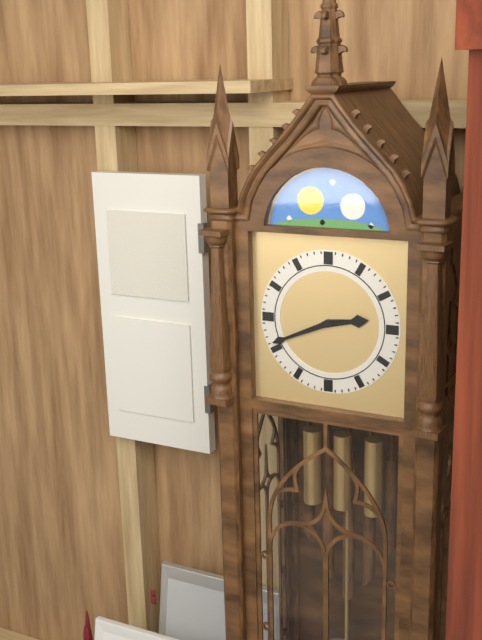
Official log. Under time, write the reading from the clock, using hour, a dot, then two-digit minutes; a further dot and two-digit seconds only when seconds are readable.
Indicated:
2.41
